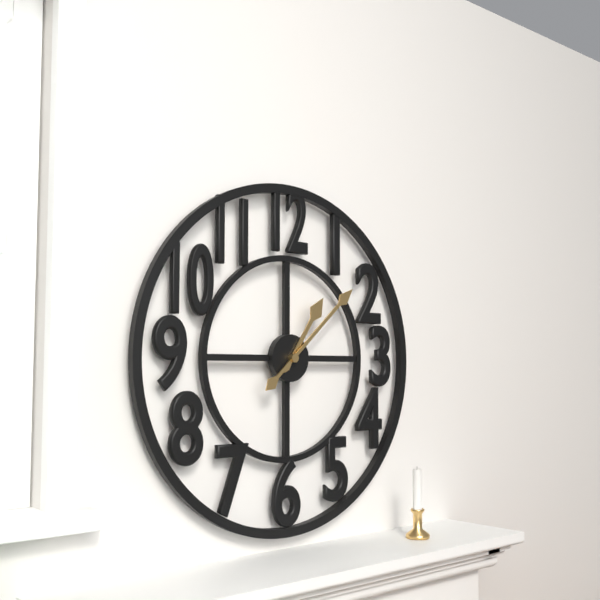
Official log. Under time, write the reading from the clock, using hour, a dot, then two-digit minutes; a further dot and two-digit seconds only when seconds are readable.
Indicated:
1.08
